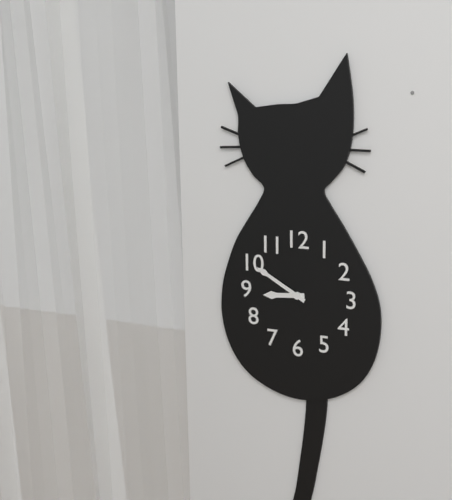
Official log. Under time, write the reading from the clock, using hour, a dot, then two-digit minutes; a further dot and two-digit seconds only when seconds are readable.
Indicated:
8.50
